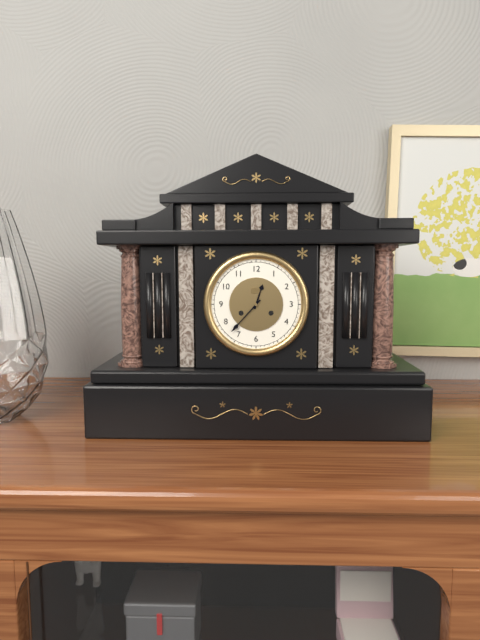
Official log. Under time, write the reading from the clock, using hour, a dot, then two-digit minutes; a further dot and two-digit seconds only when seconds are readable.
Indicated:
12.37
